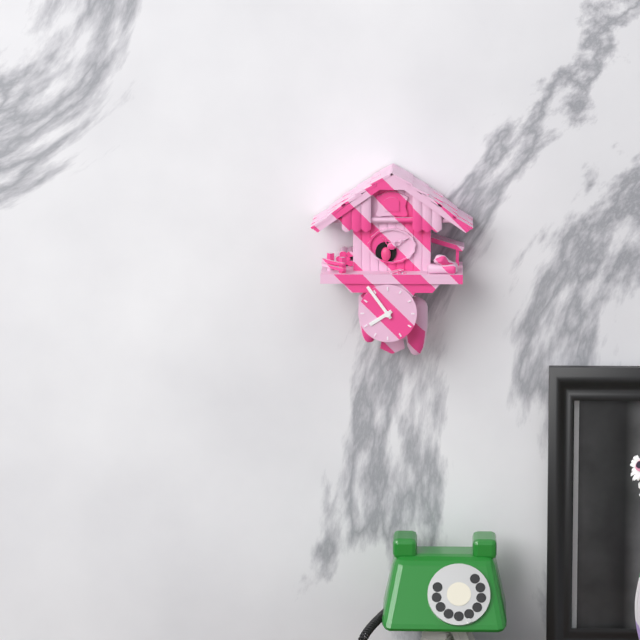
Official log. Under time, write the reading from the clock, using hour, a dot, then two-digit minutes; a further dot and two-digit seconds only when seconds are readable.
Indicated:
7.54
